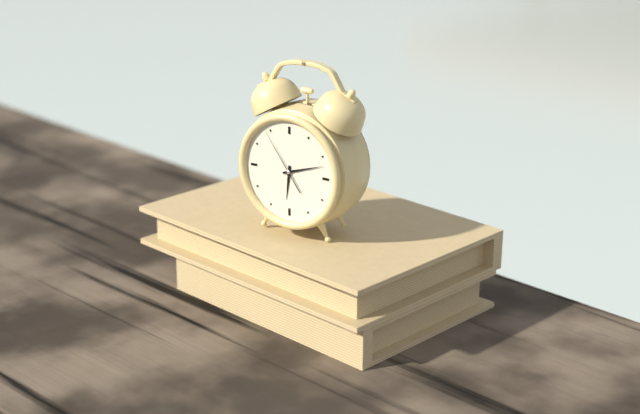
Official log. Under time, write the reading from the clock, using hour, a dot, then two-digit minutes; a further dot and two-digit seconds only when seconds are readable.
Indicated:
6.12.54
